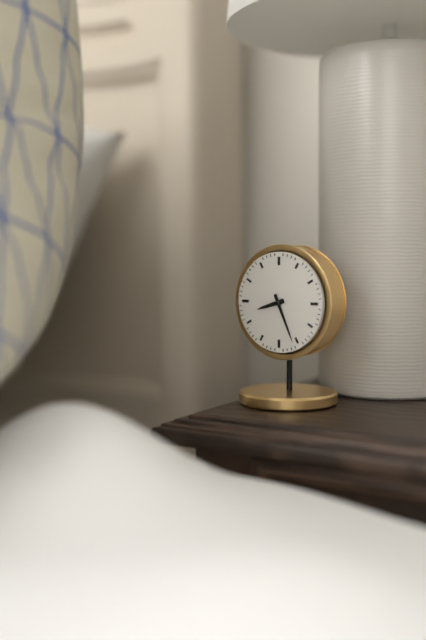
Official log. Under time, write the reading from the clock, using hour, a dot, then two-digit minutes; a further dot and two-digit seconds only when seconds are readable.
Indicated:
8.26
